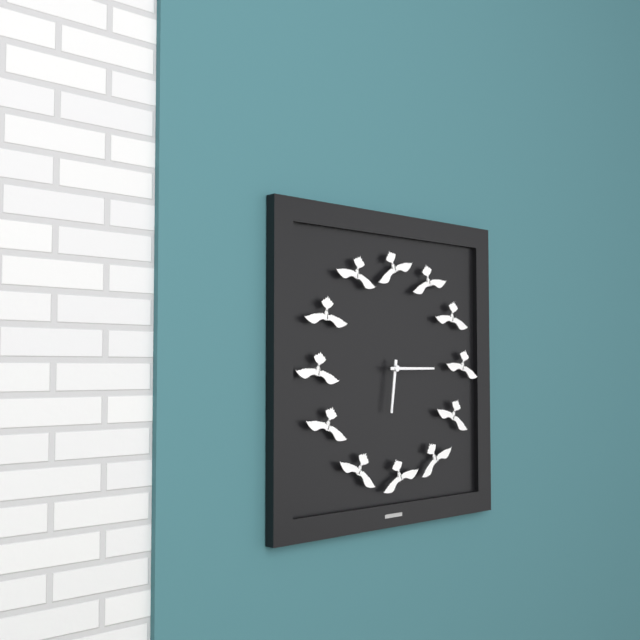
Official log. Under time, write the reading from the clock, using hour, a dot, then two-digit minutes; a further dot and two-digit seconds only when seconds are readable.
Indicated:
6.15
